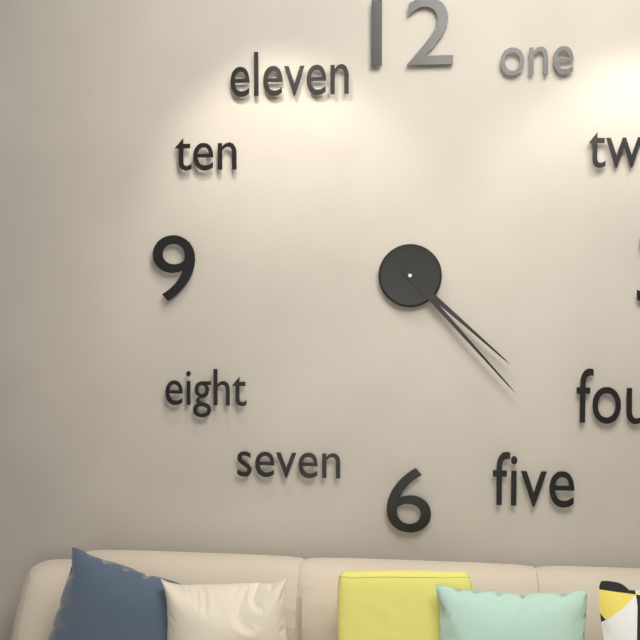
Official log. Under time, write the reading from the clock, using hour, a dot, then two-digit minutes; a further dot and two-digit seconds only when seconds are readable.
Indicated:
4.23
